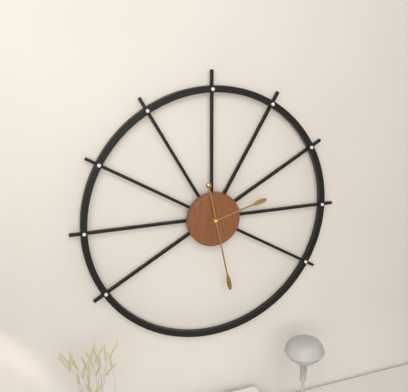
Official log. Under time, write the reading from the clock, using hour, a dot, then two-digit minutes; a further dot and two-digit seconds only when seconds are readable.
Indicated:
2.28
